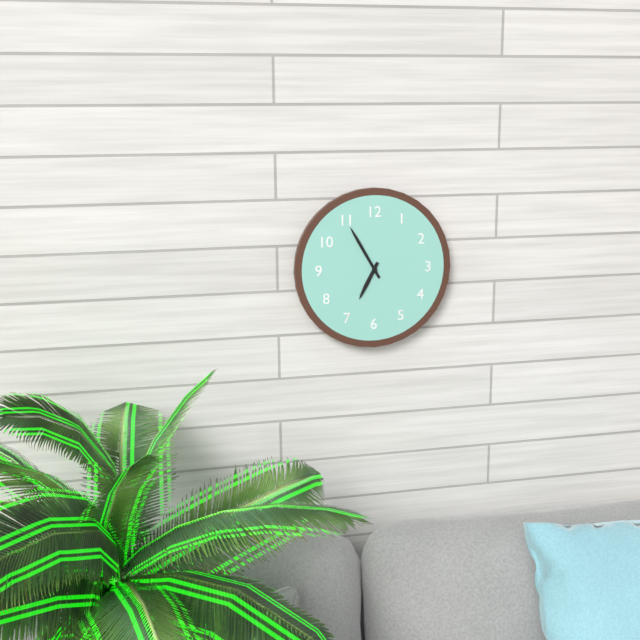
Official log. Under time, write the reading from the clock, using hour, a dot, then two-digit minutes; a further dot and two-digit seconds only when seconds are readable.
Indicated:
6.55
